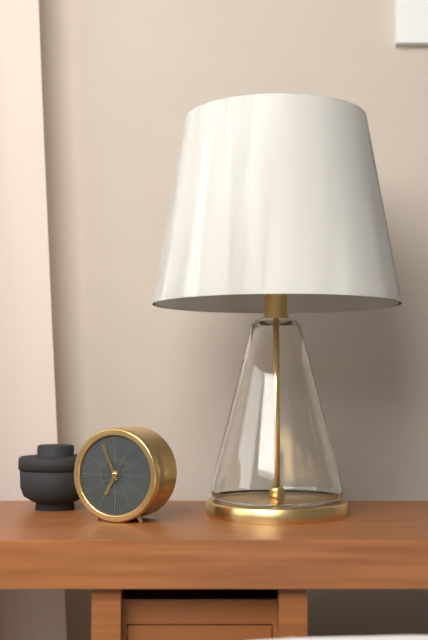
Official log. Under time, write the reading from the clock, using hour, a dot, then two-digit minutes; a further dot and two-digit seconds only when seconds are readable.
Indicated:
6.56
